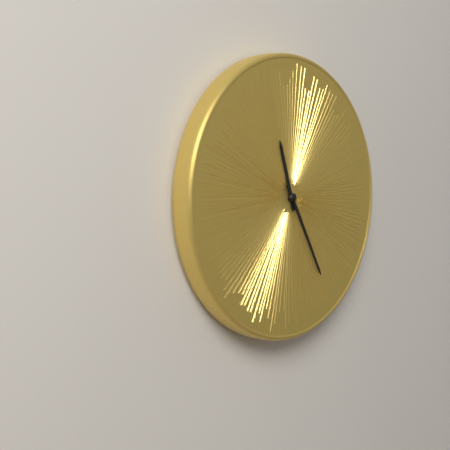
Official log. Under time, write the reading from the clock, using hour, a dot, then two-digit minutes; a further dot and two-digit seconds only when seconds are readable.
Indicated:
11.25
